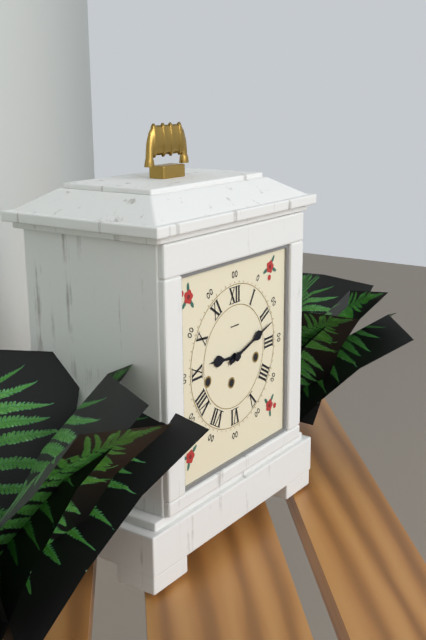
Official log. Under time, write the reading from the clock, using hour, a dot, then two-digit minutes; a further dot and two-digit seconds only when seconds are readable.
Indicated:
9.12
